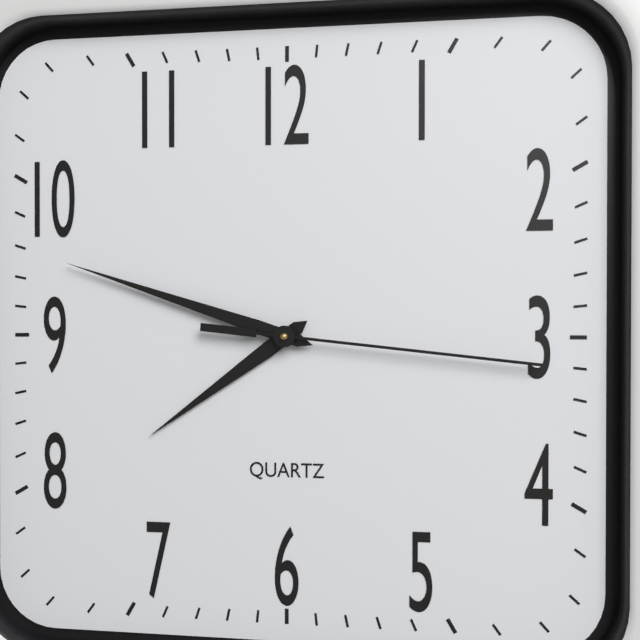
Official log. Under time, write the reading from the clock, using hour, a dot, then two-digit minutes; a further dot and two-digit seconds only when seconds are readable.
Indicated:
7.48.16
